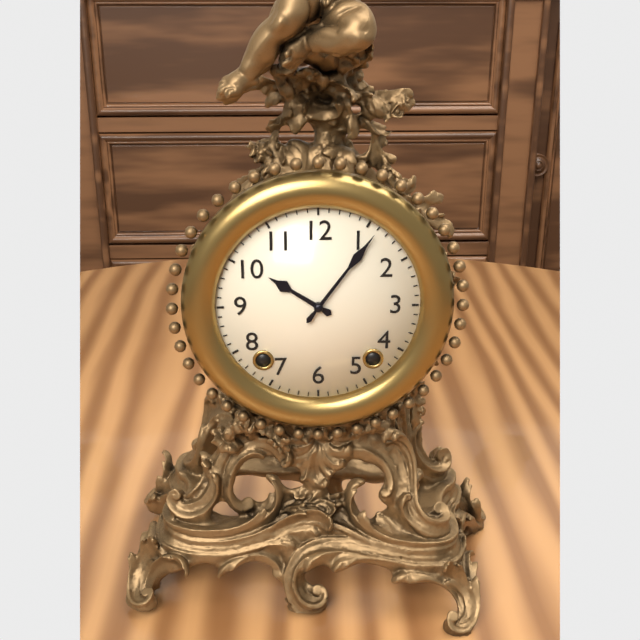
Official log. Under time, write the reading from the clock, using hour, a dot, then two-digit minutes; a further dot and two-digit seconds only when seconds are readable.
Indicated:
10.06
